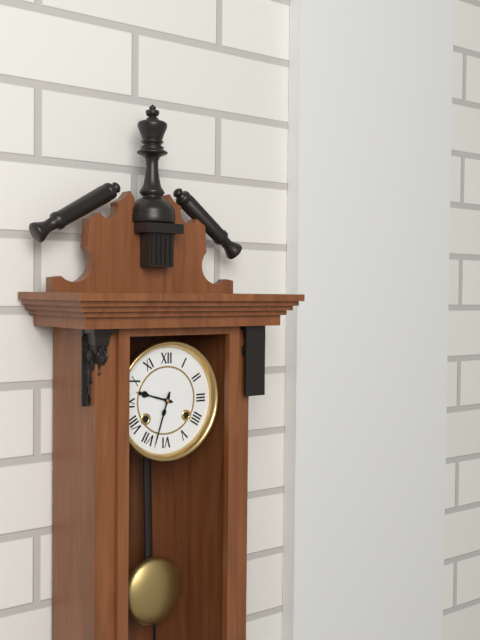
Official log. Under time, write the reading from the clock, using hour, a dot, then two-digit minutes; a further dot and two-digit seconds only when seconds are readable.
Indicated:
9.33
